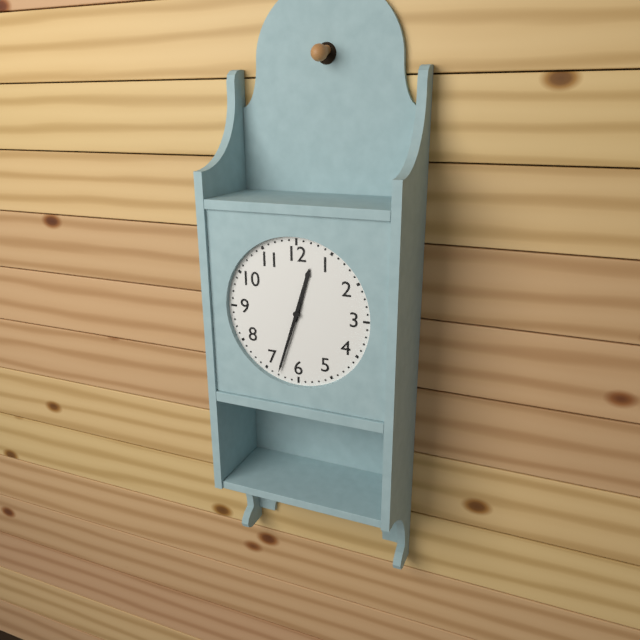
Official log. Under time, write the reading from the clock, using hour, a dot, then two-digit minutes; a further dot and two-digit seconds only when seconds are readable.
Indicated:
12.33
